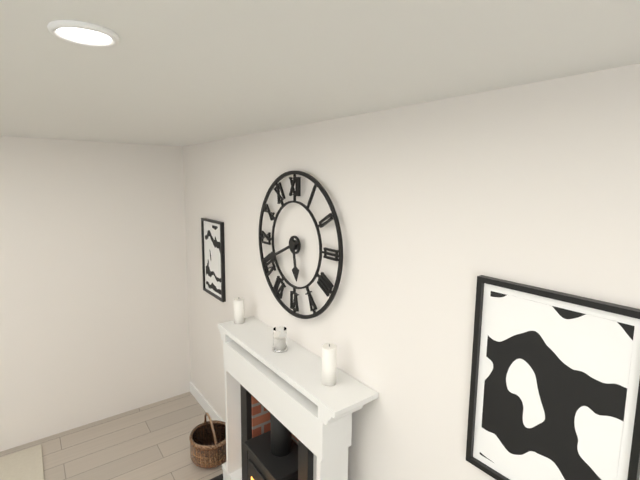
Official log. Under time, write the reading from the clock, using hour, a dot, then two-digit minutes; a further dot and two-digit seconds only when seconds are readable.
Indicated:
5.41
